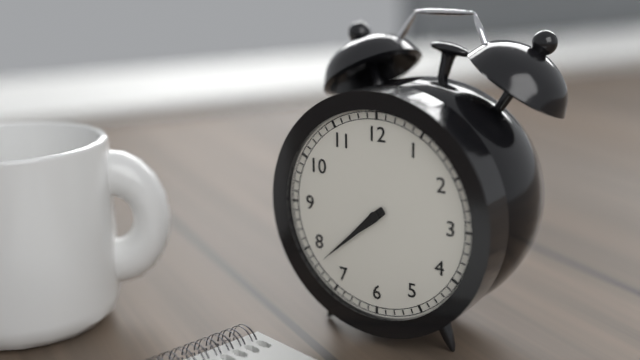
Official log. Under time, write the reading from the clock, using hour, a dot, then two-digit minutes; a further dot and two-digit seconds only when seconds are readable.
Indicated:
7.38
